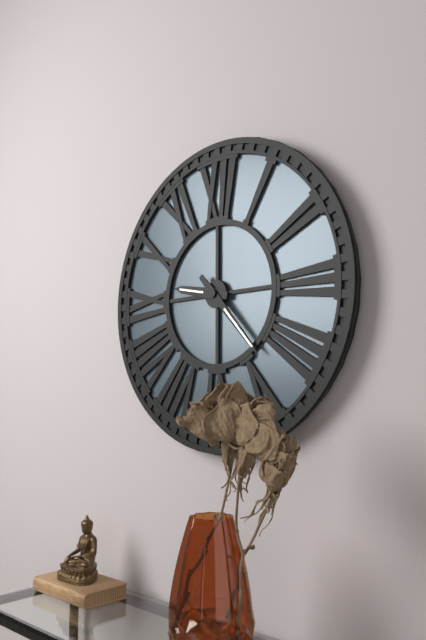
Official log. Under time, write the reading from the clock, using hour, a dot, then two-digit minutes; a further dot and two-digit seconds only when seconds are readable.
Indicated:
9.23
